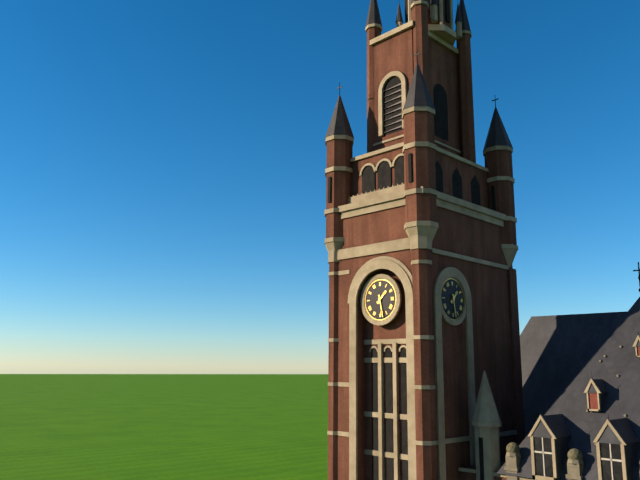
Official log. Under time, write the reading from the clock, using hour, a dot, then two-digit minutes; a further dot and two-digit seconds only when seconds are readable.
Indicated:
1.28
